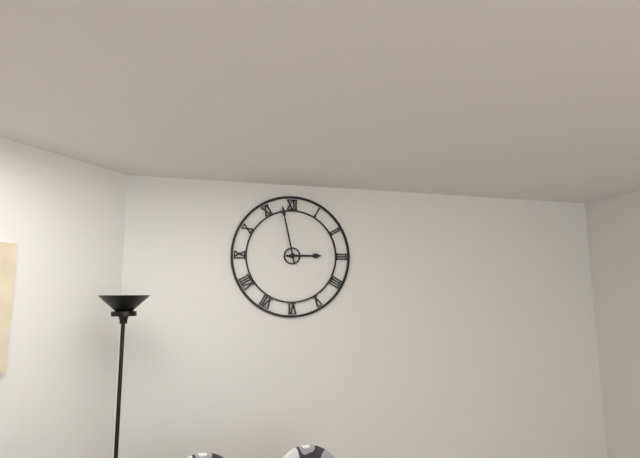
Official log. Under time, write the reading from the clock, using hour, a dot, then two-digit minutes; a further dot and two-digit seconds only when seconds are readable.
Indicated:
2.58
